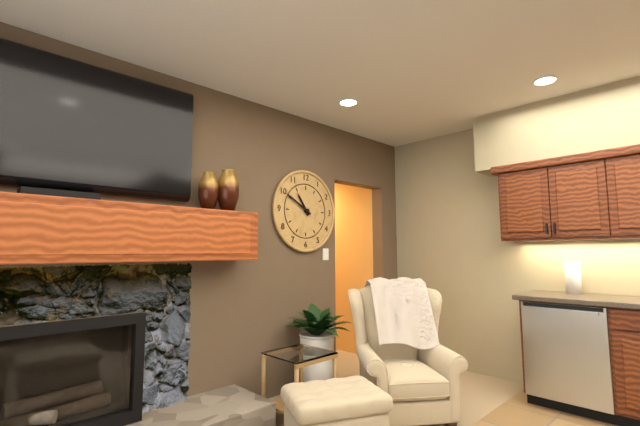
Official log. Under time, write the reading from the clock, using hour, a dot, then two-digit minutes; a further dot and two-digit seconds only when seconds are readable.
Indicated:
10.50
